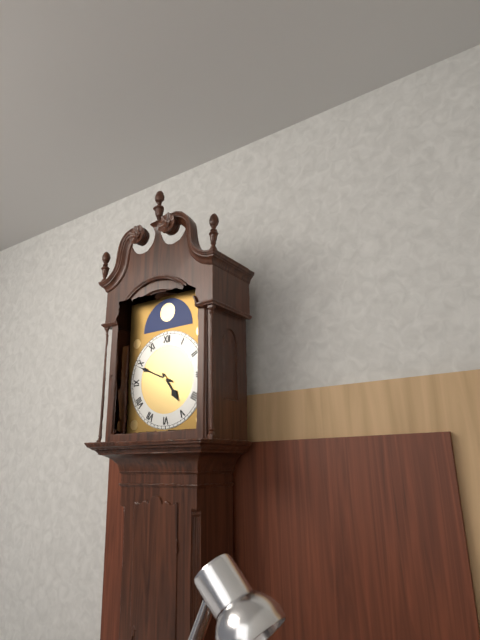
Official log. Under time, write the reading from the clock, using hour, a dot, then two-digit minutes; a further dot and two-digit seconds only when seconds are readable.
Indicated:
4.49
